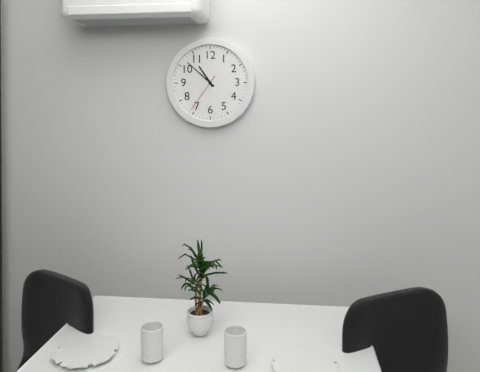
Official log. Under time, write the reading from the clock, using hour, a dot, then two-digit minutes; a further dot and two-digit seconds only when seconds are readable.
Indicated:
10.52
